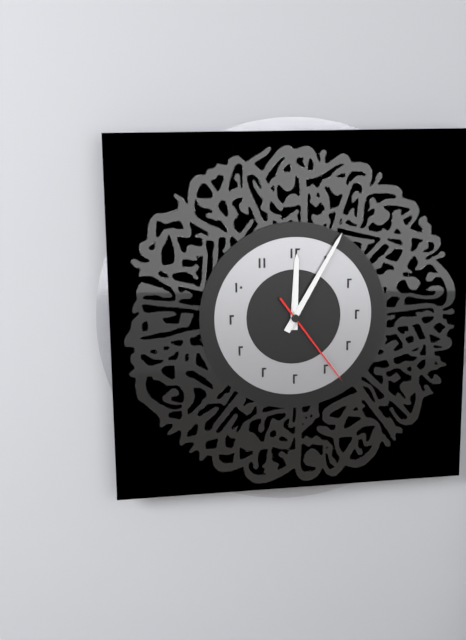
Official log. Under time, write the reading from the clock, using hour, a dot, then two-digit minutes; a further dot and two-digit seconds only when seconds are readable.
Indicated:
12.05.24
